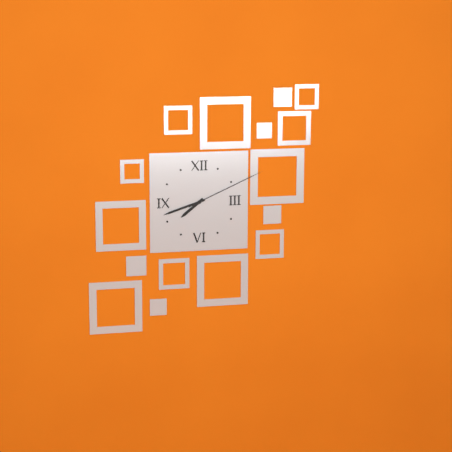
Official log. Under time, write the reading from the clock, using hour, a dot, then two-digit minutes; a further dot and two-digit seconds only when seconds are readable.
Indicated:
7.42.11
